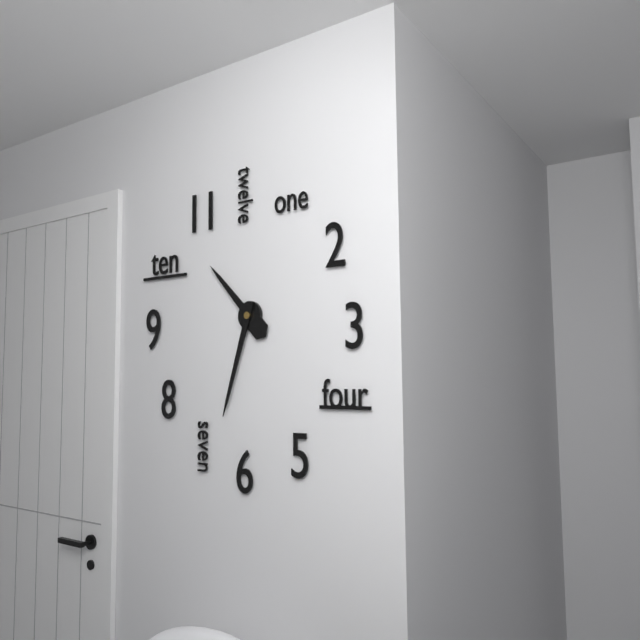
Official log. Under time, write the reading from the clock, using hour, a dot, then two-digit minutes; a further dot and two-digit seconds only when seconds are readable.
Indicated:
10.33
